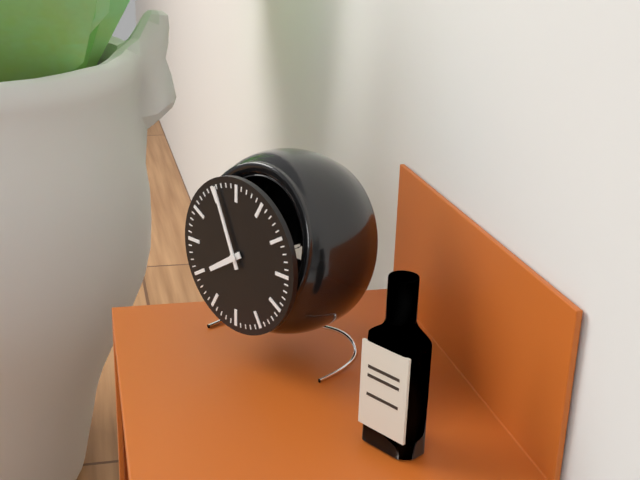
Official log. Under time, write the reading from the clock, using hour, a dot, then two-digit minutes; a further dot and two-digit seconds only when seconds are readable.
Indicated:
7.56
